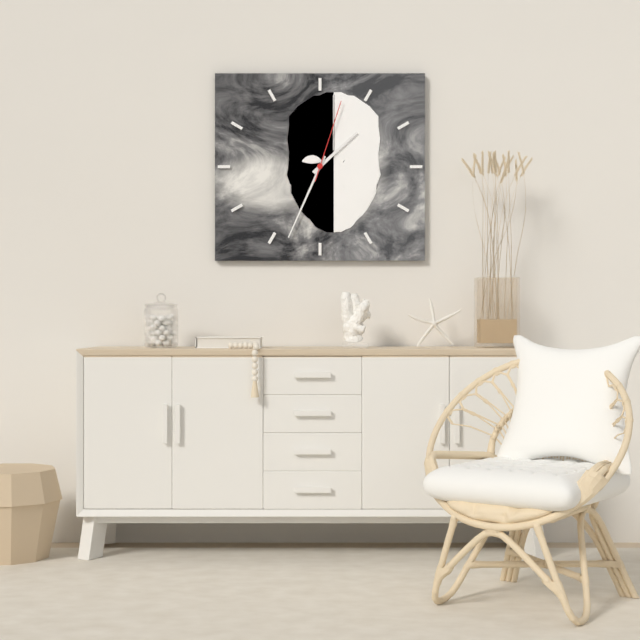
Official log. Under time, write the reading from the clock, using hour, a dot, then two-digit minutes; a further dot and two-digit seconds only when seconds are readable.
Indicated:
1.34.03
